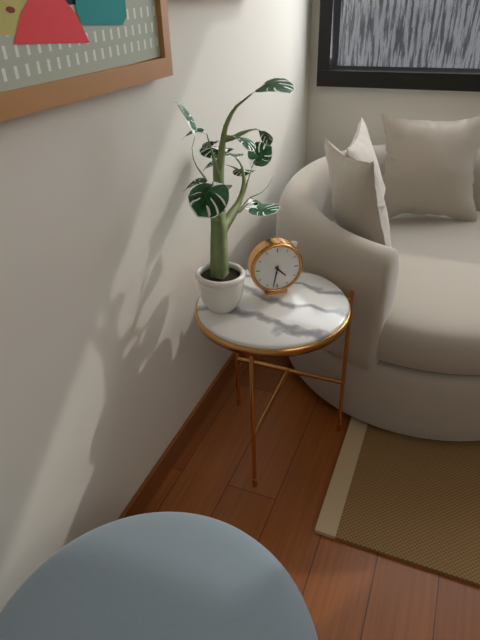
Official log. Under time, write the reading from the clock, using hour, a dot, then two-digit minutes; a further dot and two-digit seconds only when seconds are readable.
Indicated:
4.32
